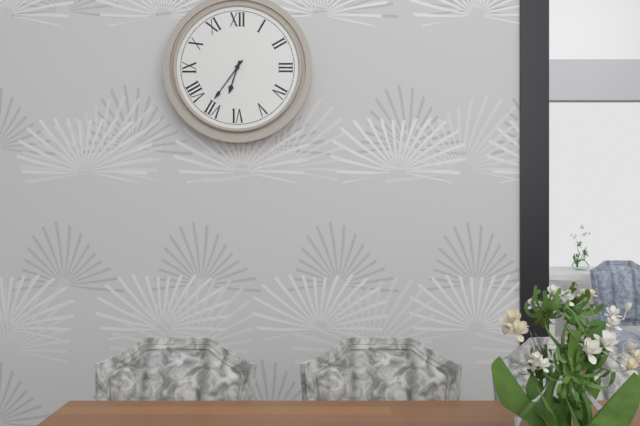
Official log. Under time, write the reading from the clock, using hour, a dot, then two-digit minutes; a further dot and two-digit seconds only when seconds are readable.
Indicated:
6.36
